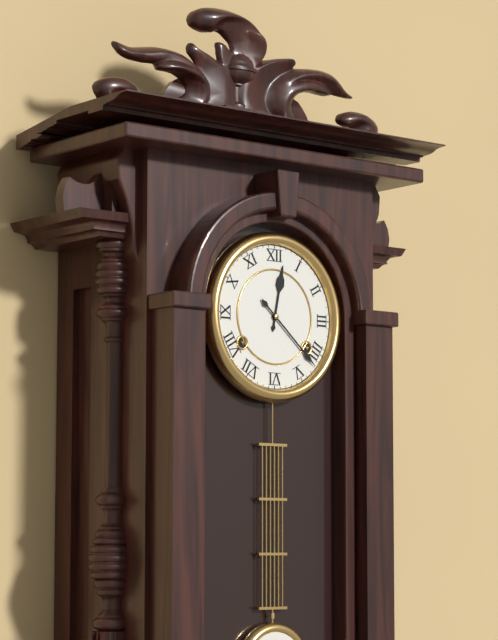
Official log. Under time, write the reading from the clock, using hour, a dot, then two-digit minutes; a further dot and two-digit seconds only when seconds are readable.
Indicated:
12.22
